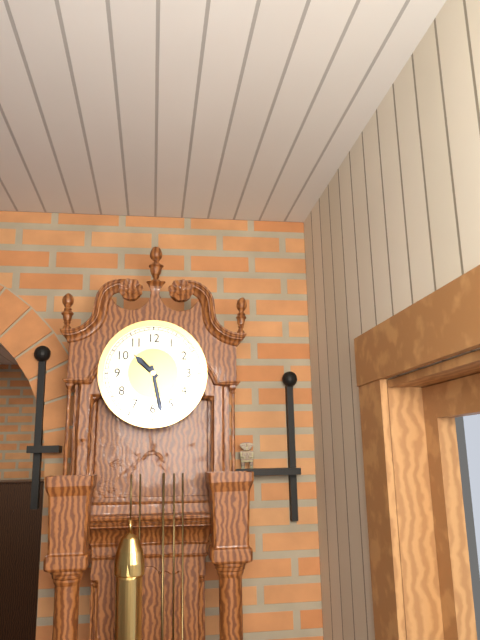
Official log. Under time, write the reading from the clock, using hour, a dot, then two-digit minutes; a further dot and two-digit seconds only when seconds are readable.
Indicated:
10.28
